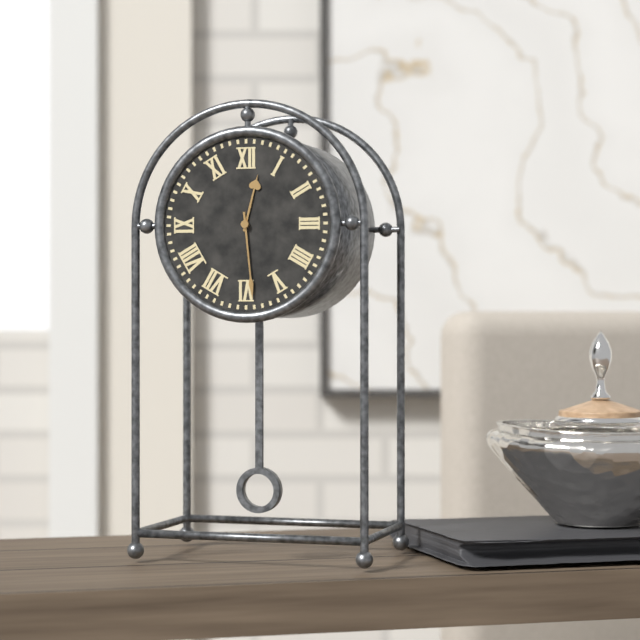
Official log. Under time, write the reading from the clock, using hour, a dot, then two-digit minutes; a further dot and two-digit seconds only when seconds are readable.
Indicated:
12.29
